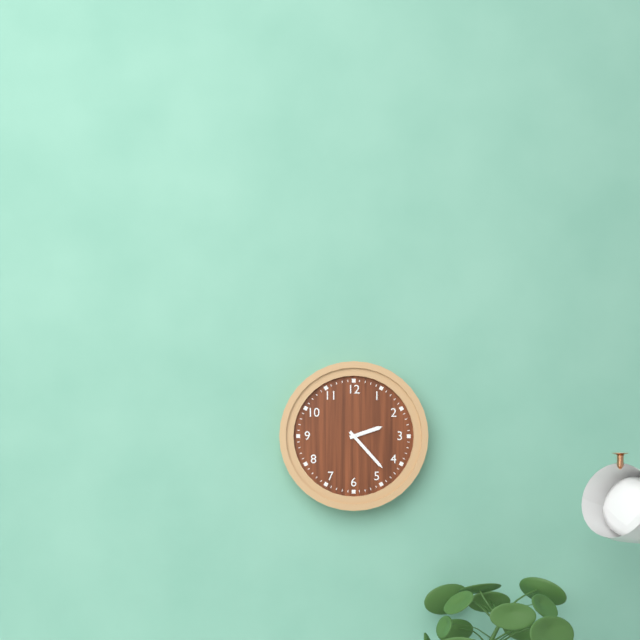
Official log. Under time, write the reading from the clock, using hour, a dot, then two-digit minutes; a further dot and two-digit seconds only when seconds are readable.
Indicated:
2.23
